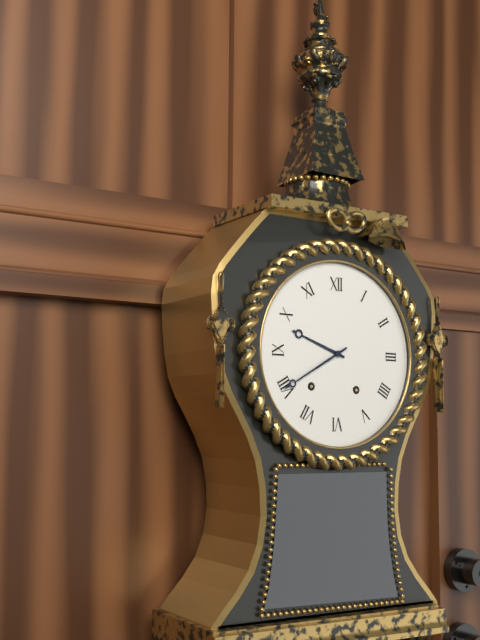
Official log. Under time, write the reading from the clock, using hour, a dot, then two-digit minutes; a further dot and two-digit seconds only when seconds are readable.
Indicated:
9.40
